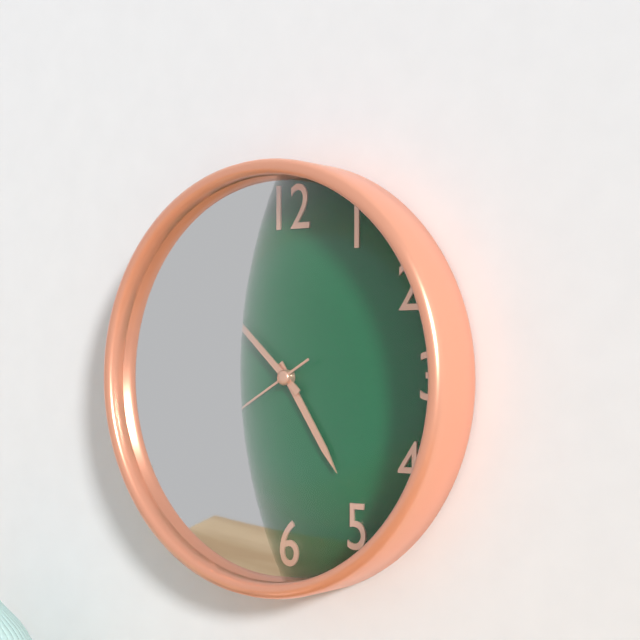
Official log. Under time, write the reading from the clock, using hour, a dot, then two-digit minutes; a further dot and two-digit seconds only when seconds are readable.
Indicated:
4.52.40
